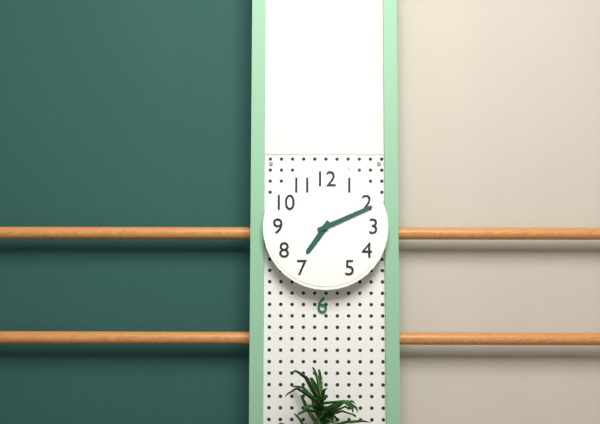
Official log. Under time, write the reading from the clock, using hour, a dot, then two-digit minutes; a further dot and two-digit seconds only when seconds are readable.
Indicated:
7.11
